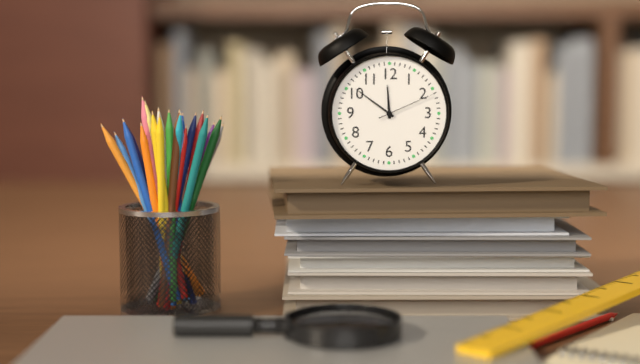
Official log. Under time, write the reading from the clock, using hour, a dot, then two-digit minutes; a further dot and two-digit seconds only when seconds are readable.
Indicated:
11.51.11
